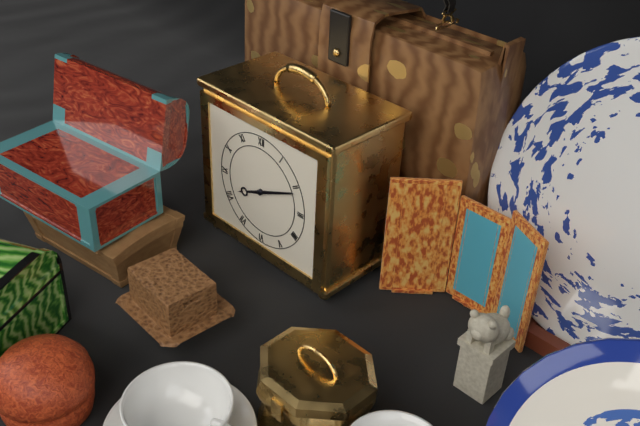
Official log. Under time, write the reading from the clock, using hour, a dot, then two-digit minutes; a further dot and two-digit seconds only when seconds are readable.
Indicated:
8.11
